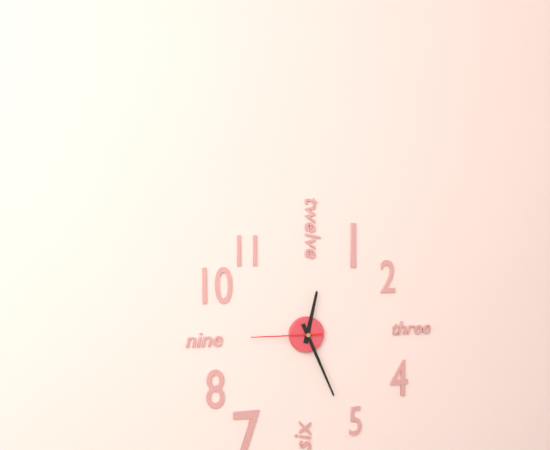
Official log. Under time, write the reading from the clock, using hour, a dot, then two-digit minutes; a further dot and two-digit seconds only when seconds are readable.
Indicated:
12.26.45
